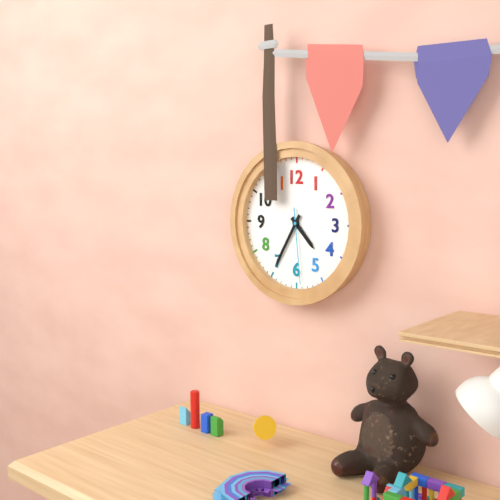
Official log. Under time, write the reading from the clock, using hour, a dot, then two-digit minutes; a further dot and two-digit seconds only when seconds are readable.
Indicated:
4.35.29
